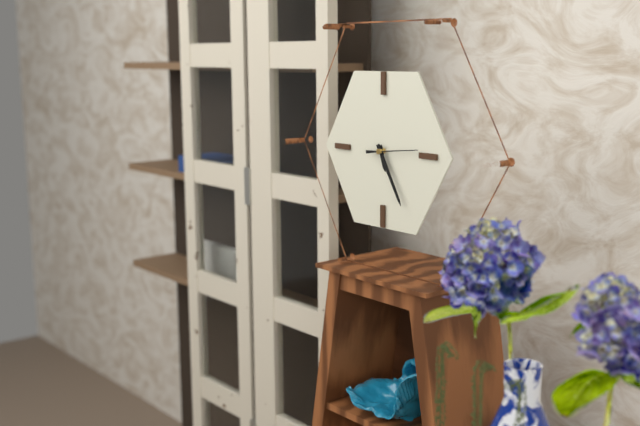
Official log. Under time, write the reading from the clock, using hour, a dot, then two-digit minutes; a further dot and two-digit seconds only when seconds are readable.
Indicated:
5.25
